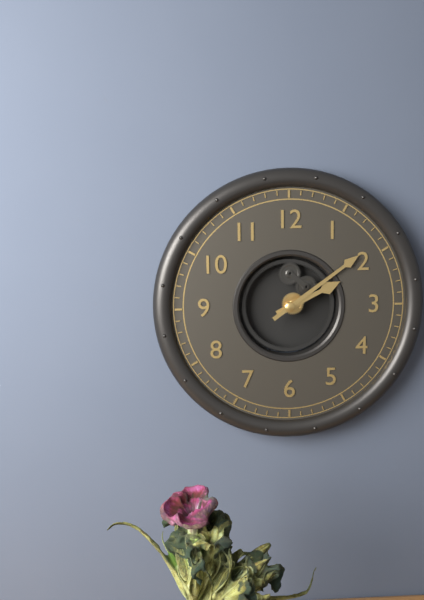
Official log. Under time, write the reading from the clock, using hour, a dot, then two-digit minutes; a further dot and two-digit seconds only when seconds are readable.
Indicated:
2.09
